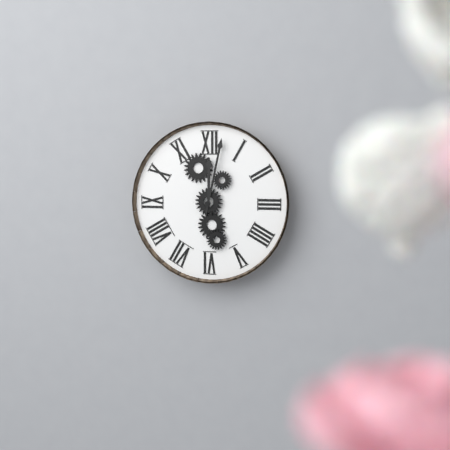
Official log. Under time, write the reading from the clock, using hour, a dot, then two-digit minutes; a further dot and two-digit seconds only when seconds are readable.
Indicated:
12.02
